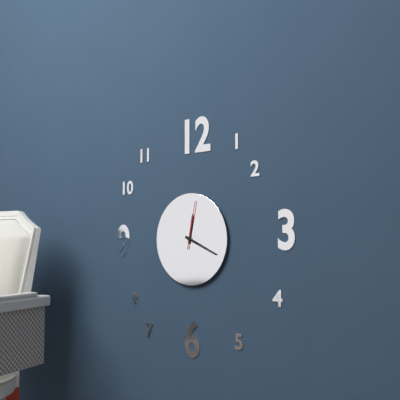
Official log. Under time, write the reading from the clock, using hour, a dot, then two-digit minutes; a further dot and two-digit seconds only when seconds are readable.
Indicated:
12.19
